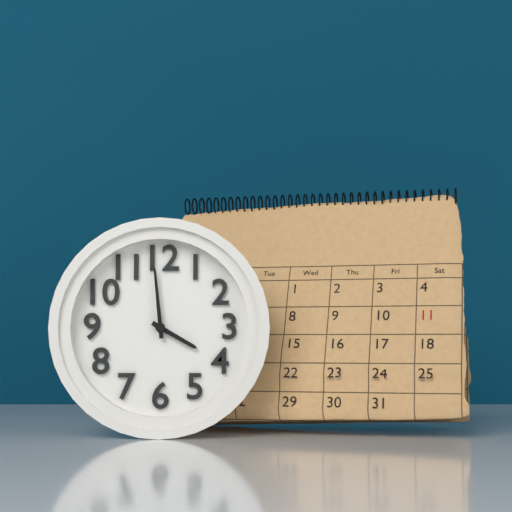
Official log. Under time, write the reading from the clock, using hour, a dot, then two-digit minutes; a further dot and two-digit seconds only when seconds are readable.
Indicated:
3.59
